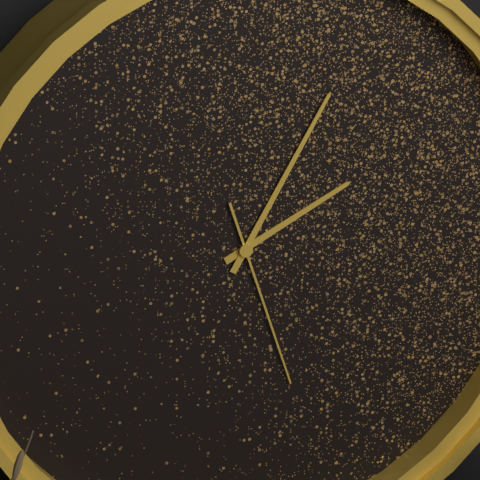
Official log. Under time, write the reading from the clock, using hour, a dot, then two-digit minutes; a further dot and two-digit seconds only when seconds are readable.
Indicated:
2.05.27
